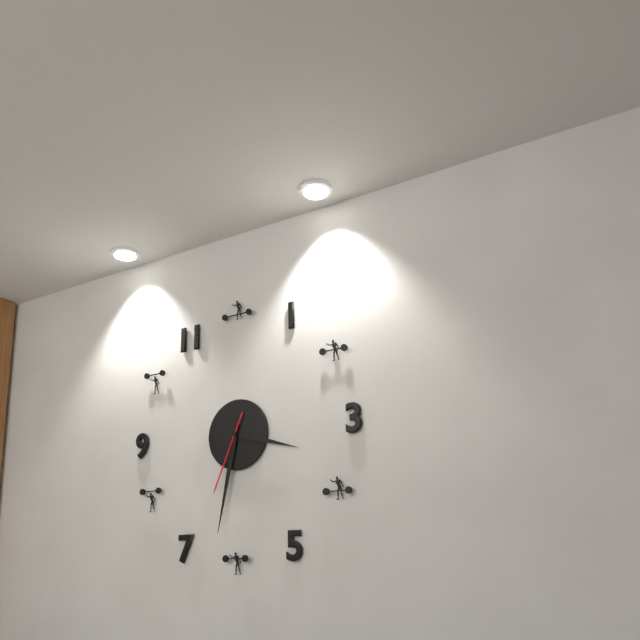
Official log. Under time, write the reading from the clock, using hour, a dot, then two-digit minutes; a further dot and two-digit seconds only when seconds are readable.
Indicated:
3.32.34
